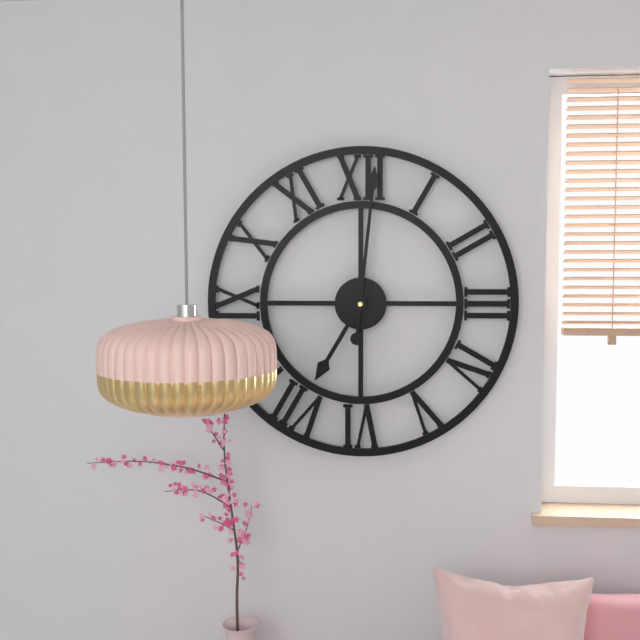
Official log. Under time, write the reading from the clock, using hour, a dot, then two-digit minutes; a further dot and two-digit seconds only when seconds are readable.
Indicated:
7.01
